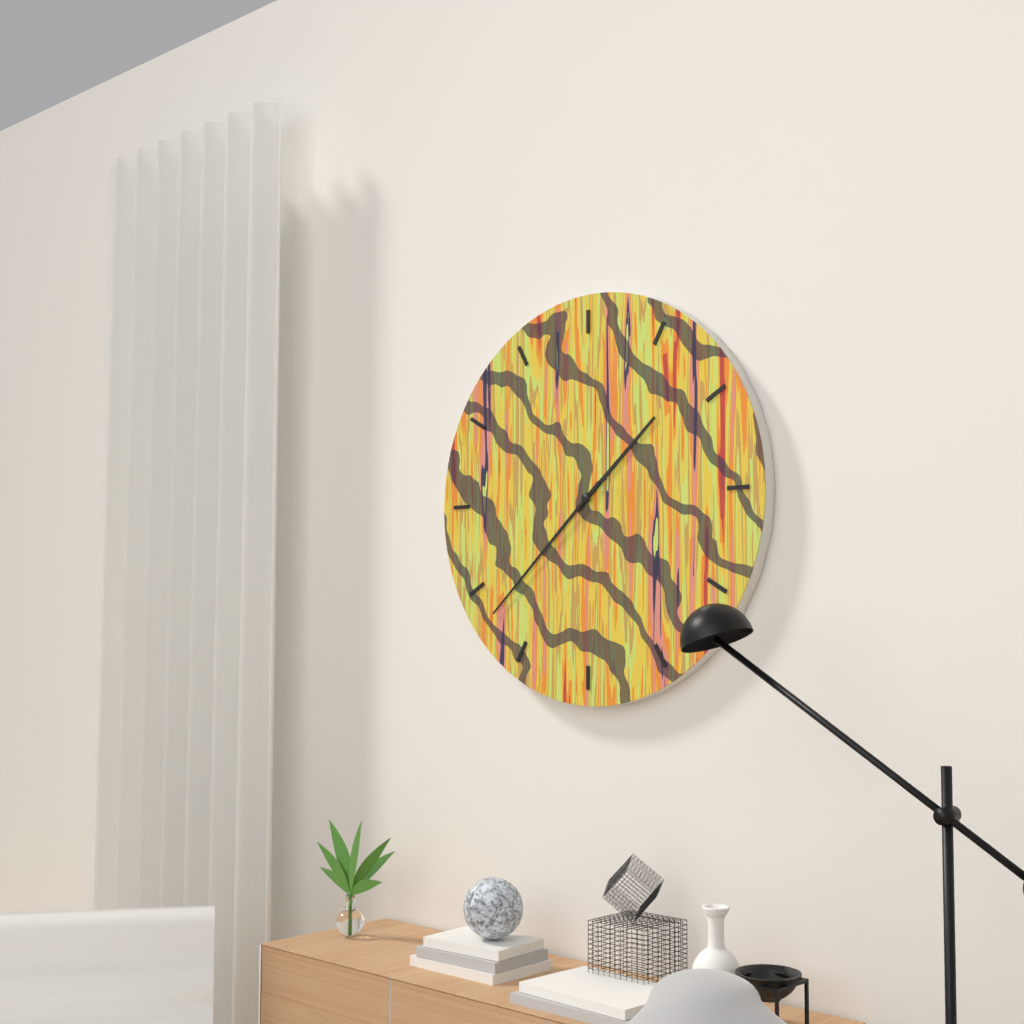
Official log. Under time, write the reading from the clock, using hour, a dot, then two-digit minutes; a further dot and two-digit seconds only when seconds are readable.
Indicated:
1.38
